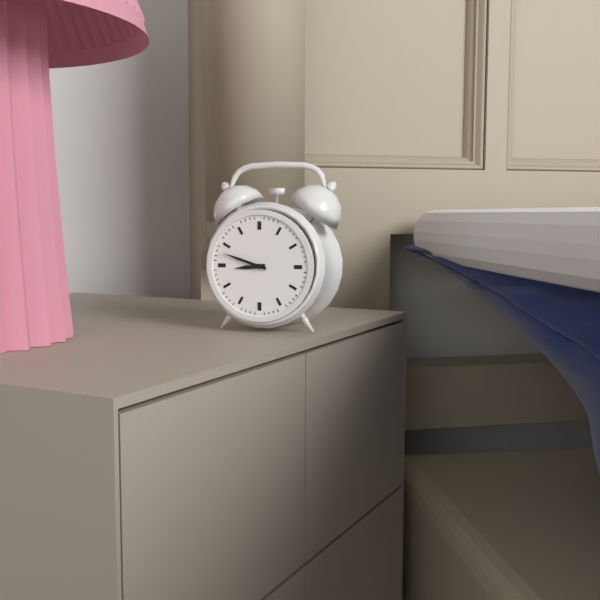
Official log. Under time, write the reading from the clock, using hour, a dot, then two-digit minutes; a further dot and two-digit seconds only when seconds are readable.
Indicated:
8.48
